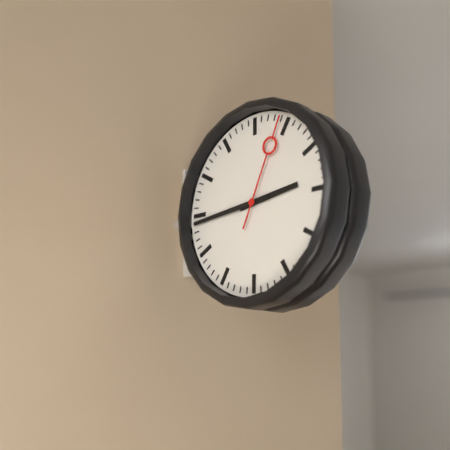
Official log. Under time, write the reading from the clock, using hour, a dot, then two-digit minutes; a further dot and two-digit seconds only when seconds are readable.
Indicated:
2.44.04
